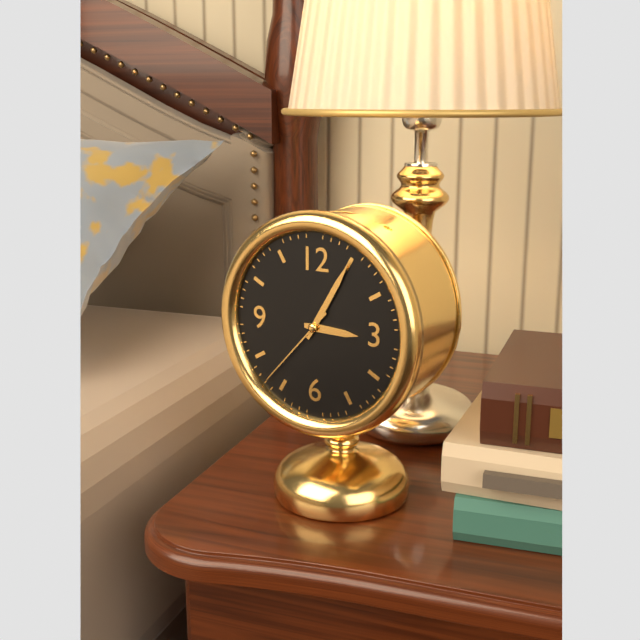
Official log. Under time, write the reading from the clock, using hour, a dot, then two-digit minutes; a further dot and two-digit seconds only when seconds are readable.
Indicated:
3.05.37
